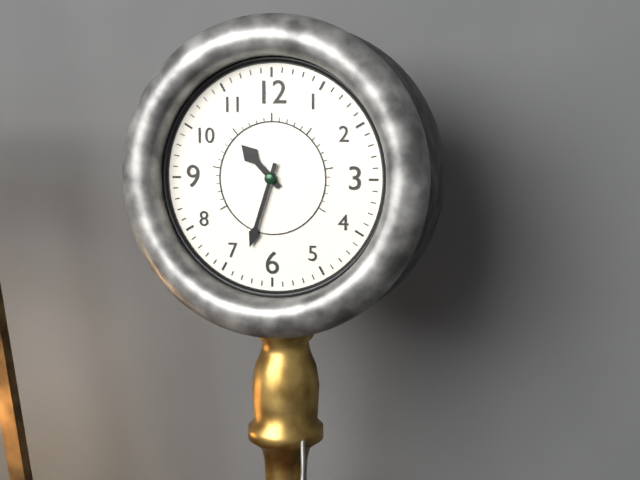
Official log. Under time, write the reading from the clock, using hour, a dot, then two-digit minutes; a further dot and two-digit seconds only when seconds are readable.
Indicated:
10.33
